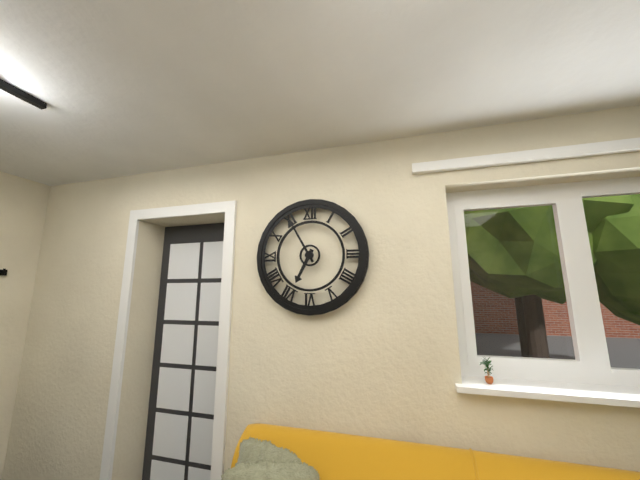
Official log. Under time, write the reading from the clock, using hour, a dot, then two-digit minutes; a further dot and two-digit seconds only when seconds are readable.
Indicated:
6.55
